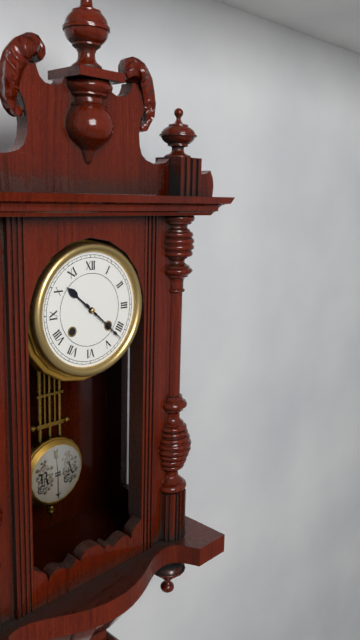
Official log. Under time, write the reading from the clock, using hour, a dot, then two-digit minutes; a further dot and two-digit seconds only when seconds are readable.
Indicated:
10.22
